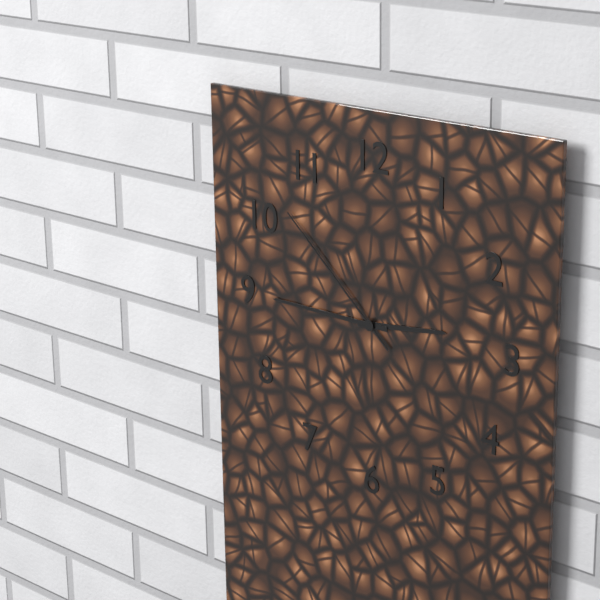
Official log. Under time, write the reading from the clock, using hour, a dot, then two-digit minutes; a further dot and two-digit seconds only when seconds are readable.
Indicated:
2.45.52
